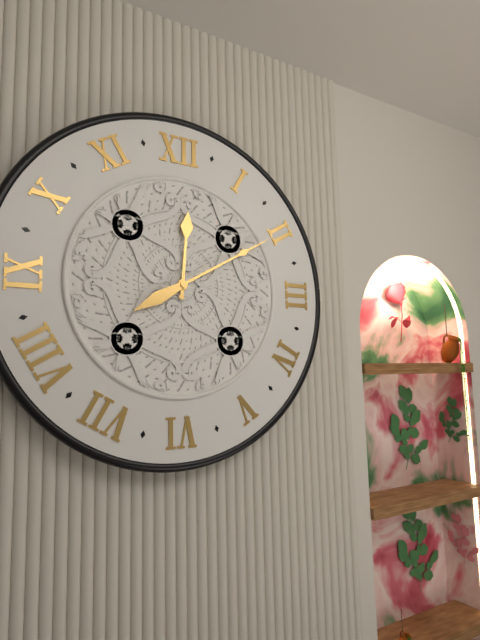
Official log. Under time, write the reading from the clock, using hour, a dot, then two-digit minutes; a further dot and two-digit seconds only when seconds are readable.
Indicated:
12.10
